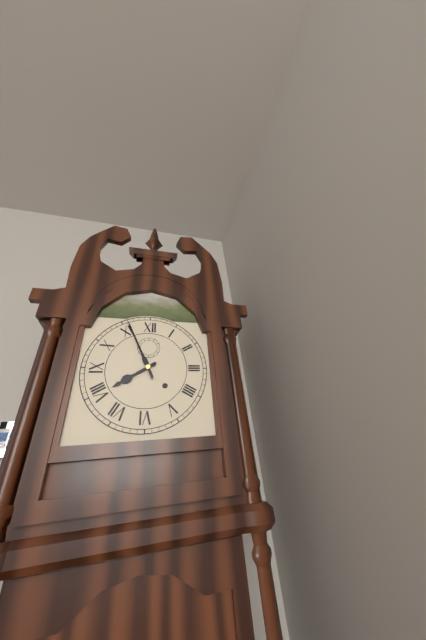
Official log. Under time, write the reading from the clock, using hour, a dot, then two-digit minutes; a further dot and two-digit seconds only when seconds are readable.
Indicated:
7.56
